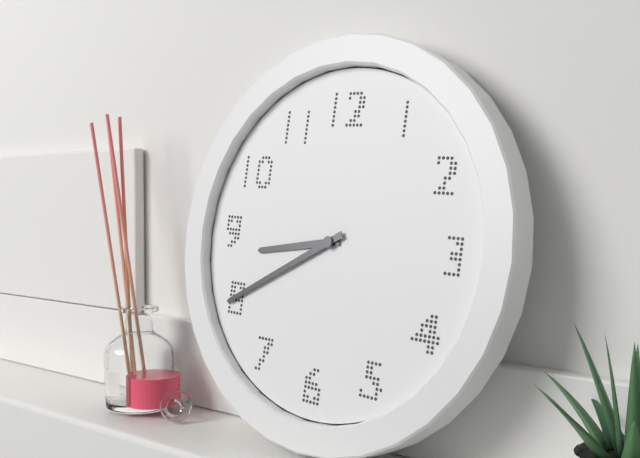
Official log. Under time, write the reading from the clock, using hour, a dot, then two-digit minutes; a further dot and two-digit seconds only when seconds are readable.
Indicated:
8.40
